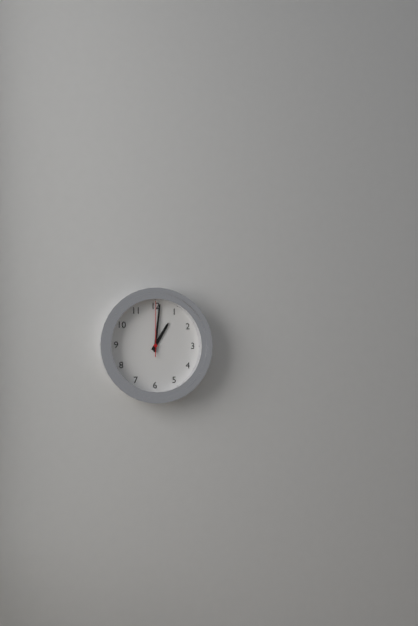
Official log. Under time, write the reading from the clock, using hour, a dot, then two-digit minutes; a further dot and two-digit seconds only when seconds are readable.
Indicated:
1.01.00
